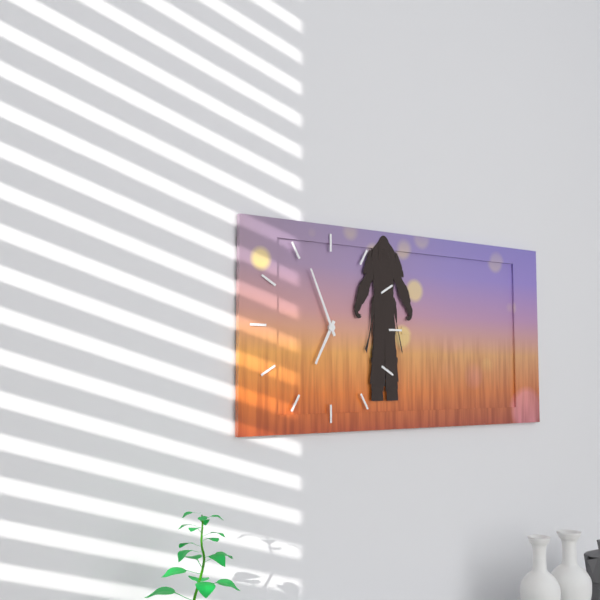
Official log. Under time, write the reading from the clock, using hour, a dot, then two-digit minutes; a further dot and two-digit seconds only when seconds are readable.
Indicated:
6.56
